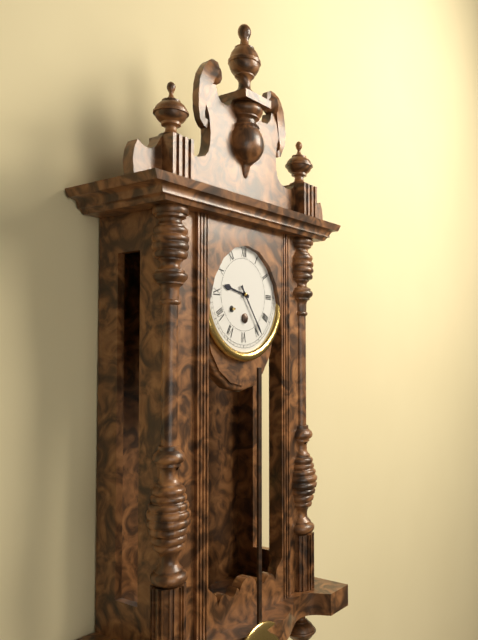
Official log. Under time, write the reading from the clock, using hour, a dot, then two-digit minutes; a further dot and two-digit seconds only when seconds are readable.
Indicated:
9.24
